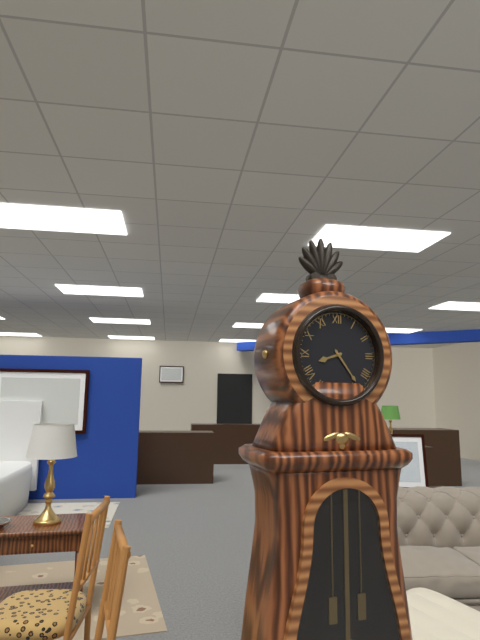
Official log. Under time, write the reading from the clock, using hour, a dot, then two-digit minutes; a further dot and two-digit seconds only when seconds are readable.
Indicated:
8.24
